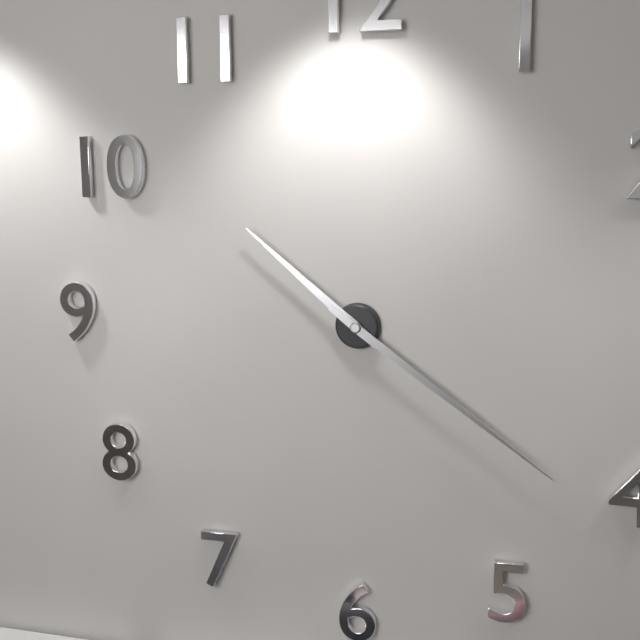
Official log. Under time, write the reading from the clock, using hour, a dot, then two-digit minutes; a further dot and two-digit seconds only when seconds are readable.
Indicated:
10.21
